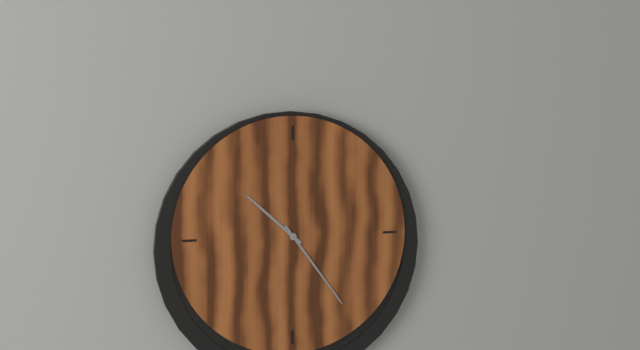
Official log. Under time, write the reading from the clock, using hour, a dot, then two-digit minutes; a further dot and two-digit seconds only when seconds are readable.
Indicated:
10.24
